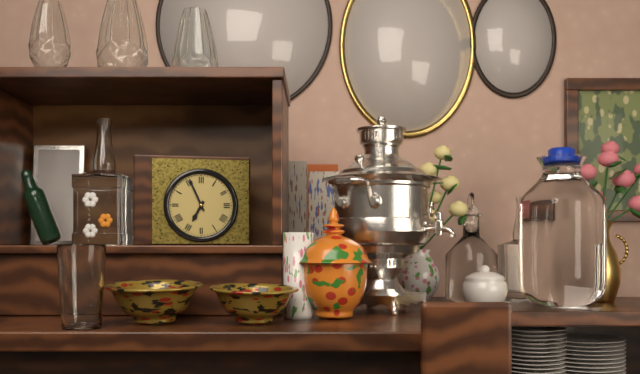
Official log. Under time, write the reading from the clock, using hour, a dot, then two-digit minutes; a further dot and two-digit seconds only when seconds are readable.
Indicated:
6.56
